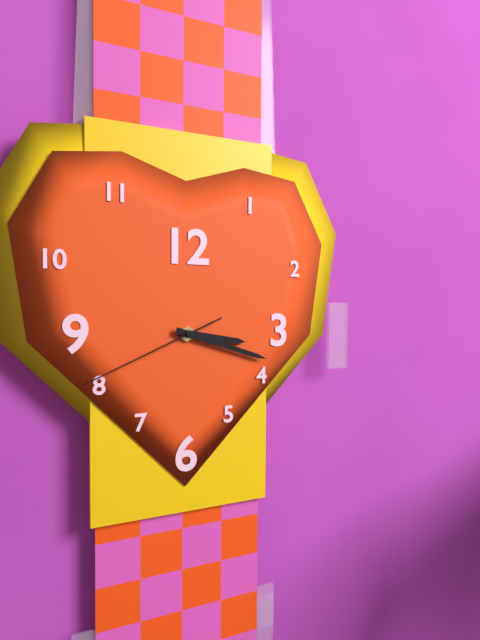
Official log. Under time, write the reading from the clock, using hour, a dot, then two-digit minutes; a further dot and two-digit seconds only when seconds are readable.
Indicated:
3.18.41
